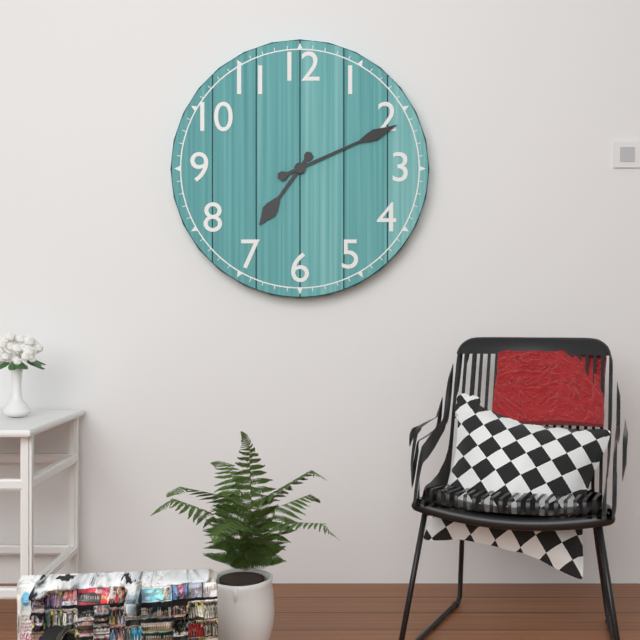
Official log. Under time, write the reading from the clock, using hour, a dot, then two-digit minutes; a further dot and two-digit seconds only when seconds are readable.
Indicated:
7.11
